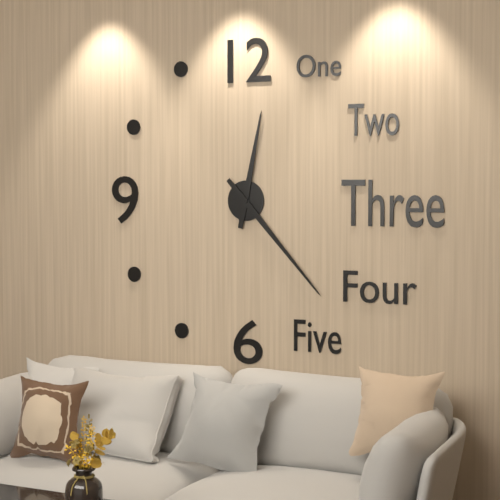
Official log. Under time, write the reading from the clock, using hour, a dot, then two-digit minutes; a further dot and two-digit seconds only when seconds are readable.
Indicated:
12.23
